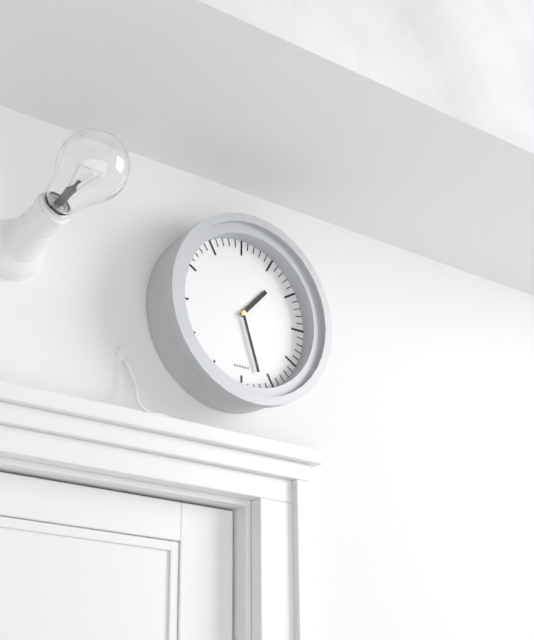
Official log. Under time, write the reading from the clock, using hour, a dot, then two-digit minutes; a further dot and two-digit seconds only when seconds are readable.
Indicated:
1.27
